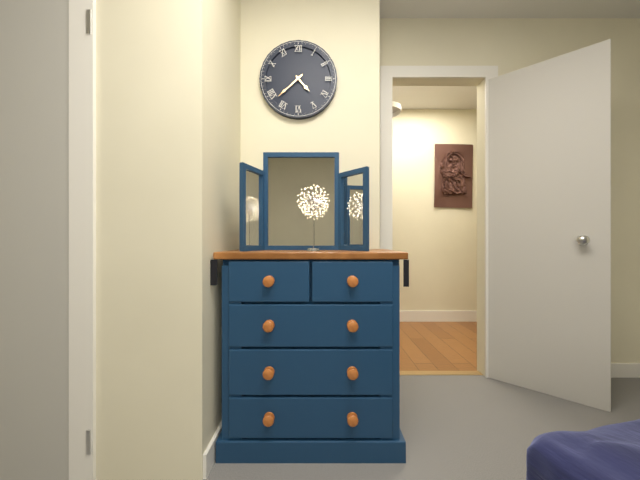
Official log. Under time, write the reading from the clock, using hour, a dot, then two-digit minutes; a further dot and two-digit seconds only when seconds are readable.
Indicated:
4.38
